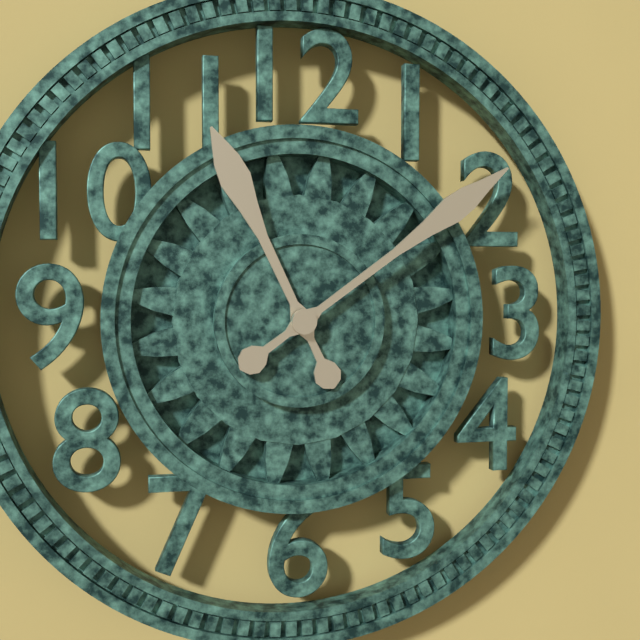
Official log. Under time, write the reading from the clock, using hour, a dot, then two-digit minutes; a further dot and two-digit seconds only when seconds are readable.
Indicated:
11.09
